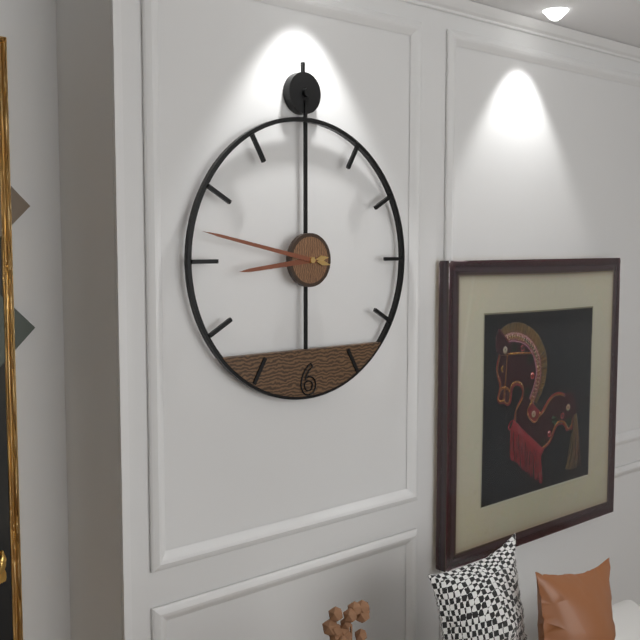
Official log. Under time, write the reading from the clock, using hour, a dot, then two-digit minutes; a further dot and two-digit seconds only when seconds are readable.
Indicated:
8.47
